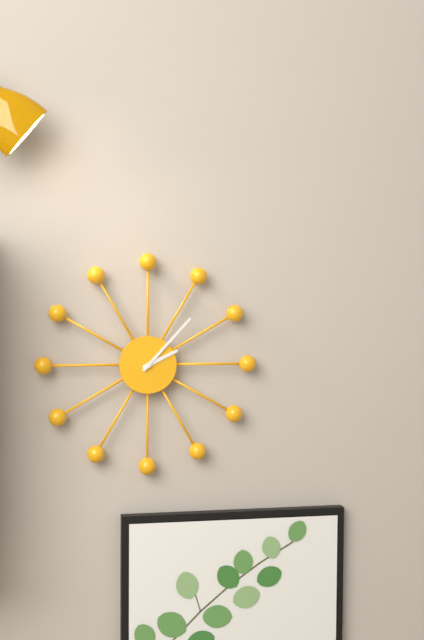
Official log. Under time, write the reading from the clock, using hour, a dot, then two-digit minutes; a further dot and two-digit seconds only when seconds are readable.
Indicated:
2.07
